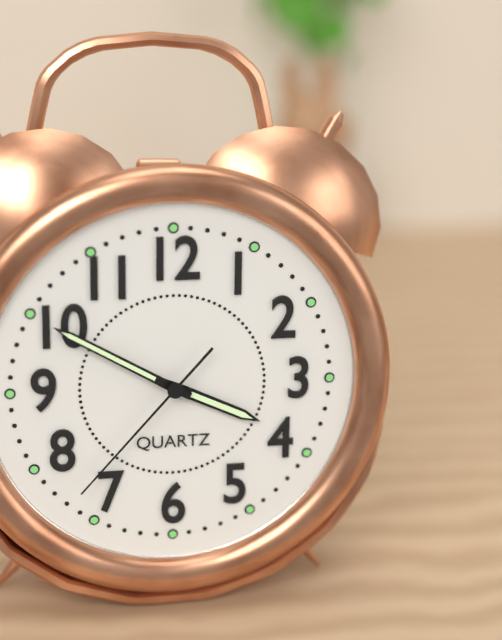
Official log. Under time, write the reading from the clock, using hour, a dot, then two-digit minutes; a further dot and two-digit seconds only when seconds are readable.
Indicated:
3.50.37
